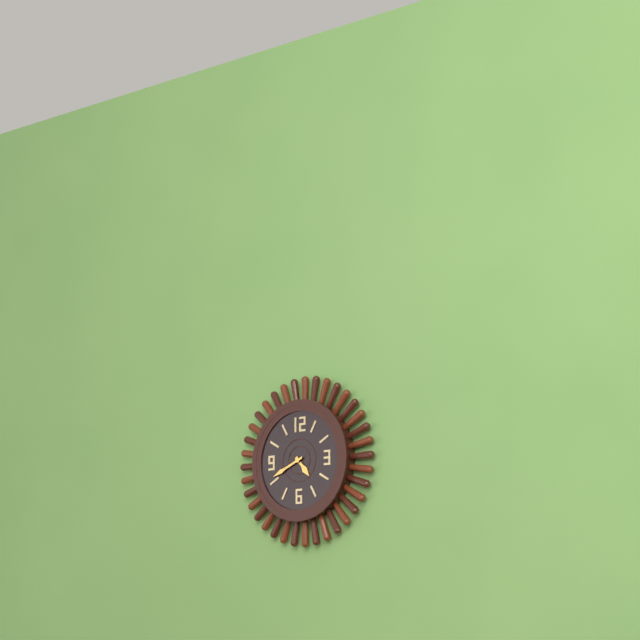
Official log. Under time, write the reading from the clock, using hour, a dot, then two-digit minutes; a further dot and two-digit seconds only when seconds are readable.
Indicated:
4.41
